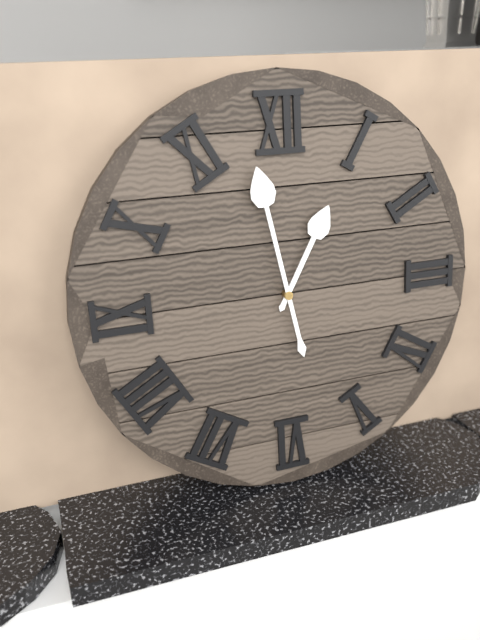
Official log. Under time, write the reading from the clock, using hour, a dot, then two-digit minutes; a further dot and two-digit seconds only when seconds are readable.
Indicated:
12.58
